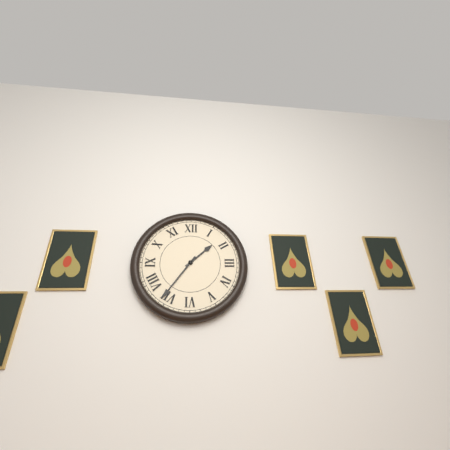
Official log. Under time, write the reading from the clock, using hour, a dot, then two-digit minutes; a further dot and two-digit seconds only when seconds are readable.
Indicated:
1.36
